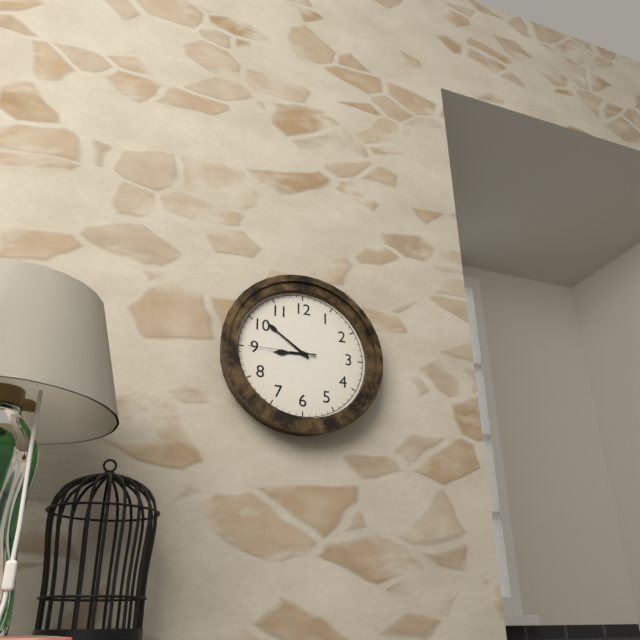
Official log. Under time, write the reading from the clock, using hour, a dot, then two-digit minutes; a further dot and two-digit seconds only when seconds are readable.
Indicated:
8.51.45
